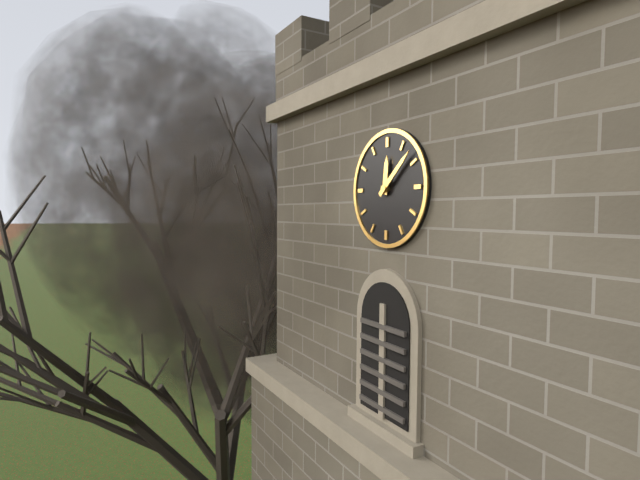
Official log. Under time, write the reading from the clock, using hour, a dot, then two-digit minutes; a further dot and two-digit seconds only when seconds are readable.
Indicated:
12.08
